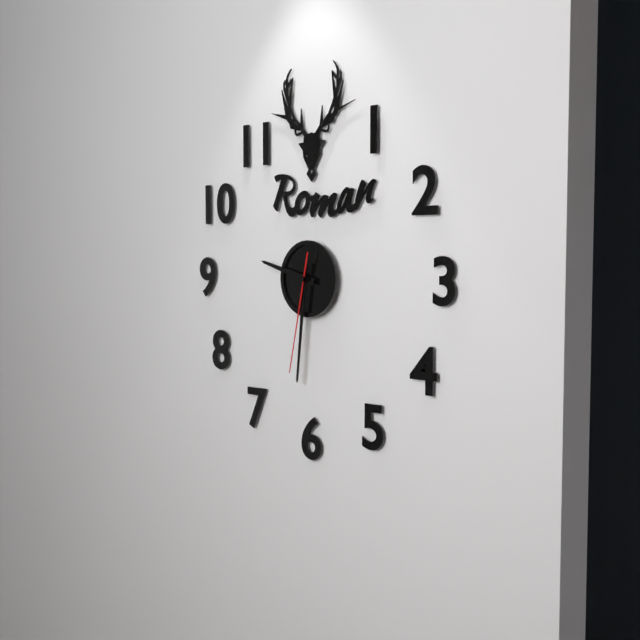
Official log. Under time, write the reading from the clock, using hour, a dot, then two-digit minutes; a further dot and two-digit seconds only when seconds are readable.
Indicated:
9.31.32
